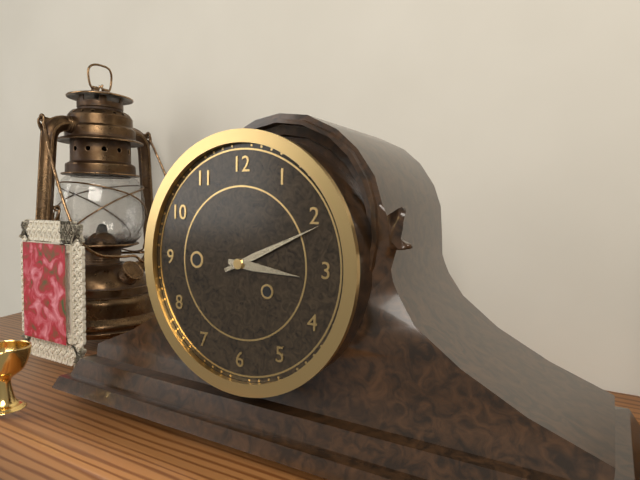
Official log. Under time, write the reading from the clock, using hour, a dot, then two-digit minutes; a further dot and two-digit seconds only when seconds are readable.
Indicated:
3.11
